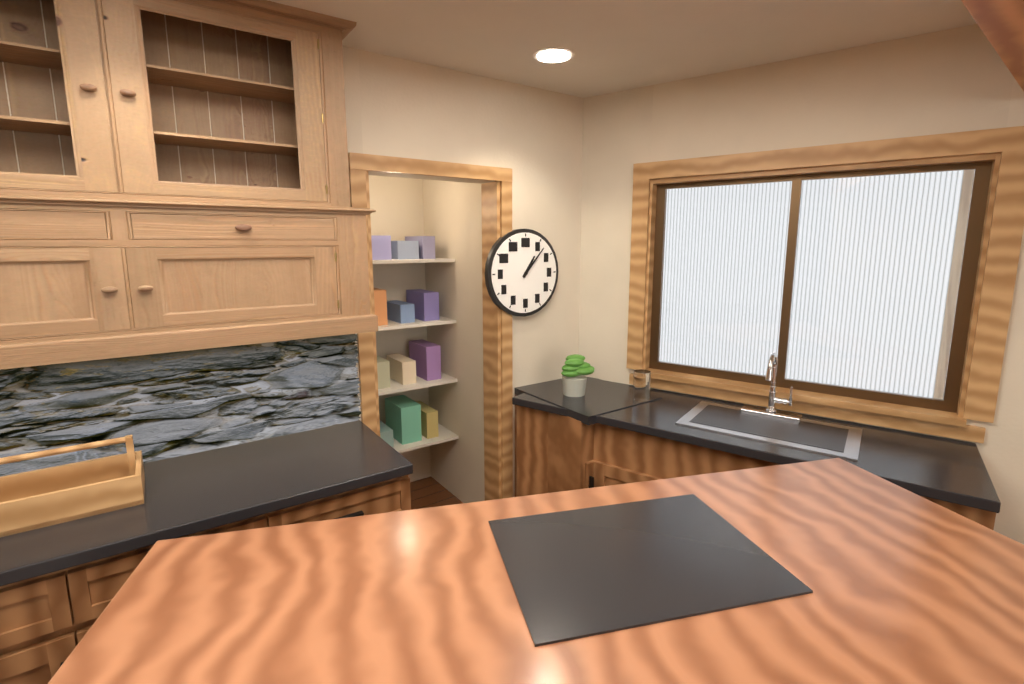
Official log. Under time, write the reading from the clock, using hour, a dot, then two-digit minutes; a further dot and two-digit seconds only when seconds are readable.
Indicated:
1.07
